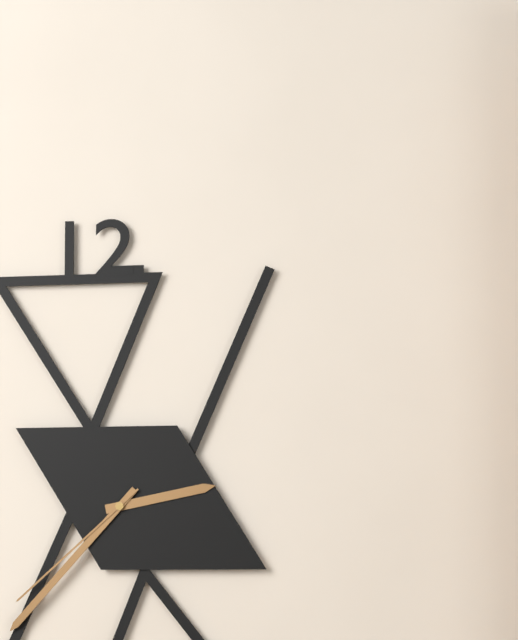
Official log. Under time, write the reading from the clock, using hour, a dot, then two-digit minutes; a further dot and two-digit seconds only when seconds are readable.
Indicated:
2.37.38
